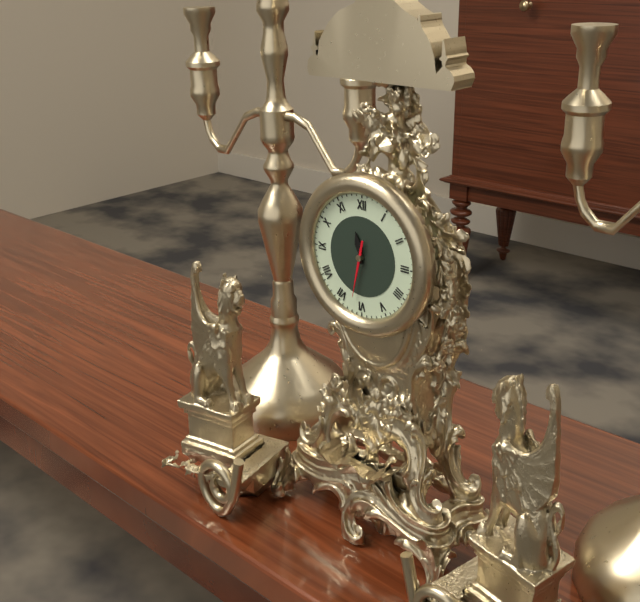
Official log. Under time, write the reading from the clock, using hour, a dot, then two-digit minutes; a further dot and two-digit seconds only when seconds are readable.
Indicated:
11.32
